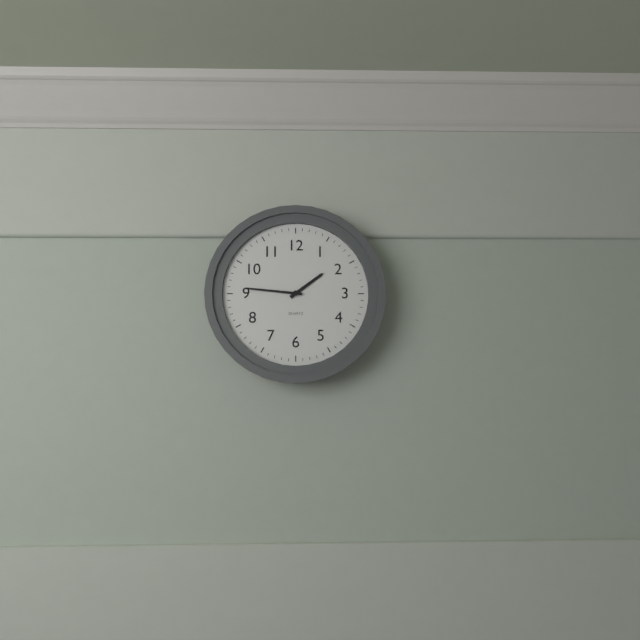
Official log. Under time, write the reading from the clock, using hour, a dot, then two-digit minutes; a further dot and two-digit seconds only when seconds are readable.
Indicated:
1.46
